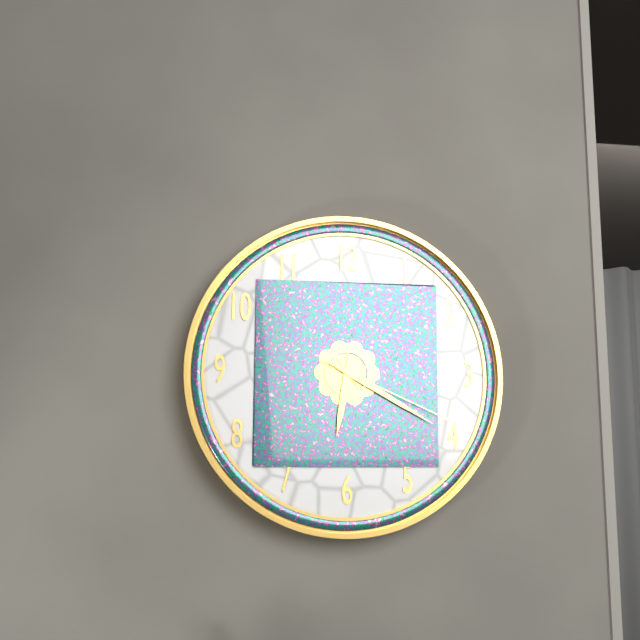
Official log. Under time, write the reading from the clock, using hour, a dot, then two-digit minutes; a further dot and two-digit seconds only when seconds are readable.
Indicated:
6.20.19
